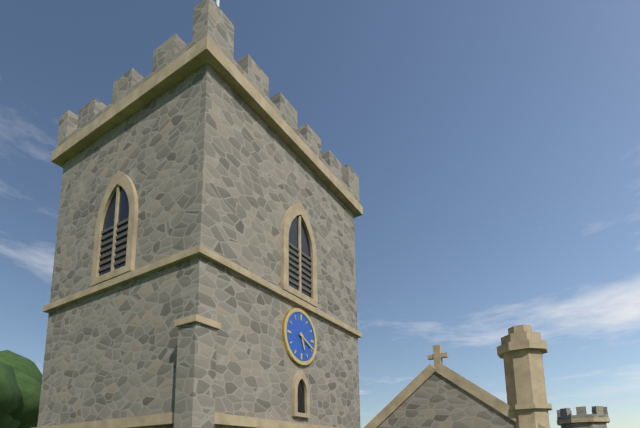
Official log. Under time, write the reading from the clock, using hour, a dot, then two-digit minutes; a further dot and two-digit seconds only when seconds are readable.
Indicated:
5.19
